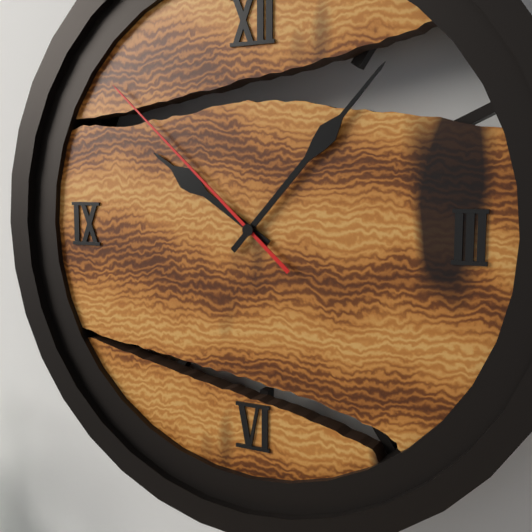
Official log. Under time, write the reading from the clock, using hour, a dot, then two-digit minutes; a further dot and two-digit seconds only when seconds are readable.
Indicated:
10.07.52
